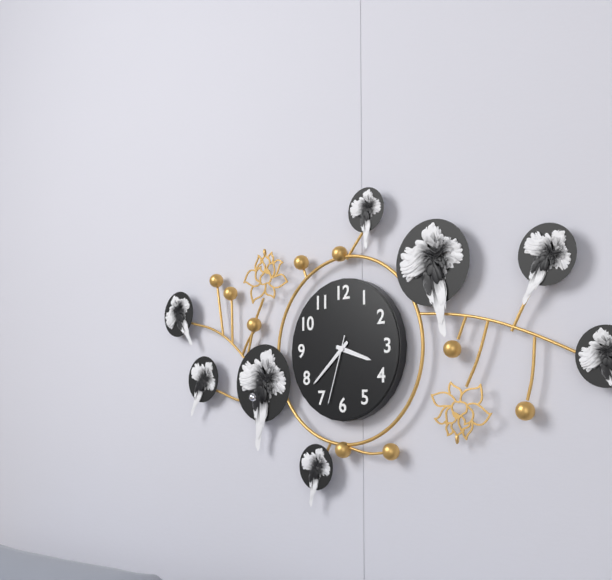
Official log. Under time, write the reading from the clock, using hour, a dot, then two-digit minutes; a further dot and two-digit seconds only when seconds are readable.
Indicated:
3.38.33
